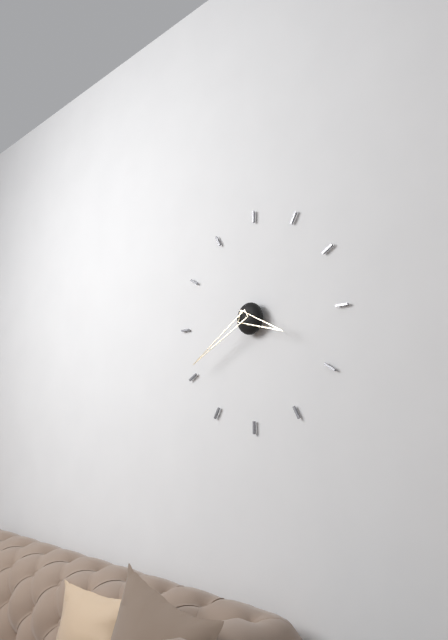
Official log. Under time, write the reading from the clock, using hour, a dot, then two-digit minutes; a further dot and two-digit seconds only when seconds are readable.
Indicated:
3.40
